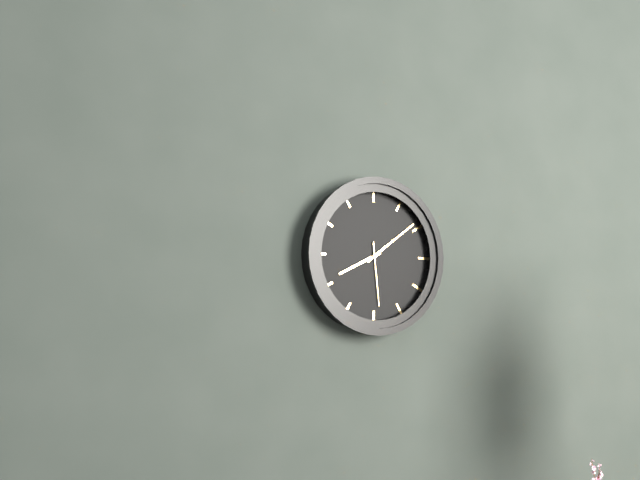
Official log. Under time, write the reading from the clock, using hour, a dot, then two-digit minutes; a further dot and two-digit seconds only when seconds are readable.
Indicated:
8.09.29
